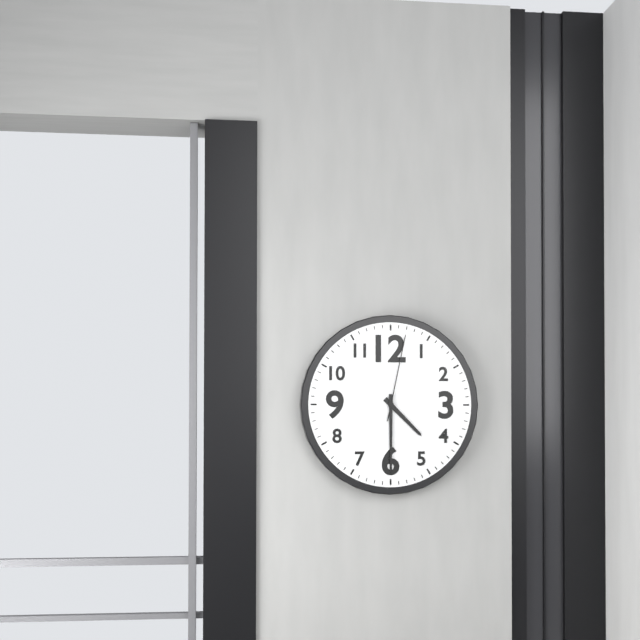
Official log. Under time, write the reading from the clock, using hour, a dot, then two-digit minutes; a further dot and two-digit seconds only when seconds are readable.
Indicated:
4.30.02
